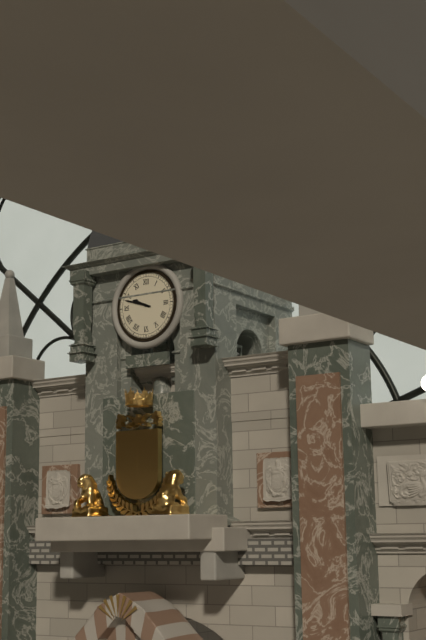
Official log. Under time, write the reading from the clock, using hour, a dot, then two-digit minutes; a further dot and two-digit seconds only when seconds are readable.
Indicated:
9.48
